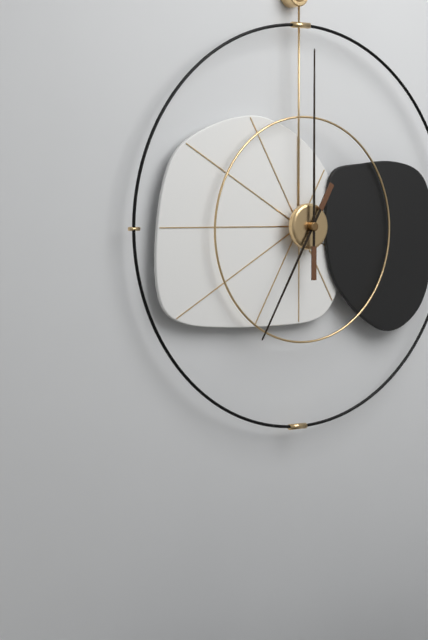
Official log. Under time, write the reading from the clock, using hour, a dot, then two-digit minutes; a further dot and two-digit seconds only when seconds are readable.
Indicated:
7.00
